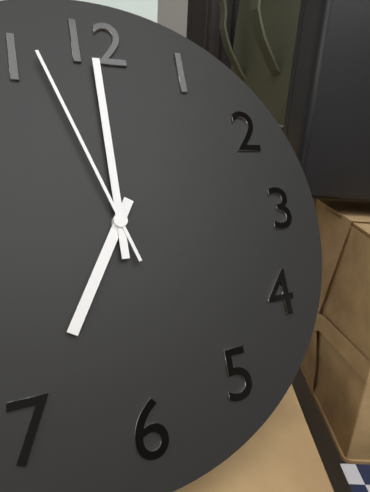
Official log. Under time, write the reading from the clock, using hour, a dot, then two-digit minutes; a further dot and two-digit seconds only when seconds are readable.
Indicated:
7.00.57
